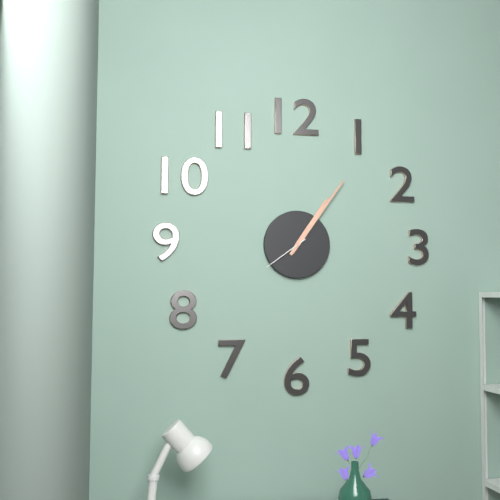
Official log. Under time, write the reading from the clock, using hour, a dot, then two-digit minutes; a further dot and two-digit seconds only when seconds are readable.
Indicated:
1.06
